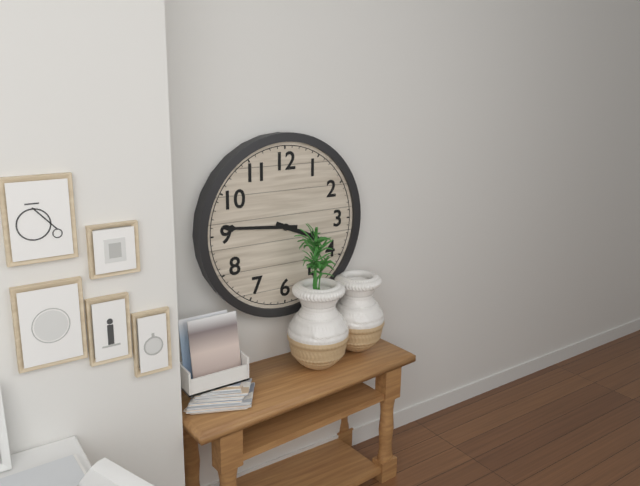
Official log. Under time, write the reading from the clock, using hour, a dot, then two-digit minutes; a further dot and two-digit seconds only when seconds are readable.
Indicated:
3.46
